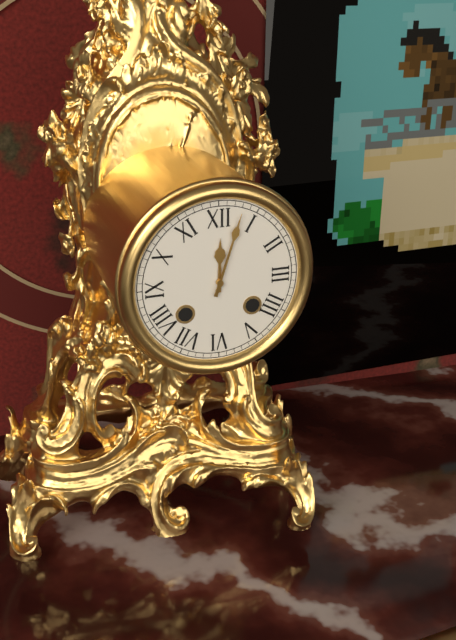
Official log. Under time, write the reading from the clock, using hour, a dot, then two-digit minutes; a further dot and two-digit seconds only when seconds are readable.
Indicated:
12.03
